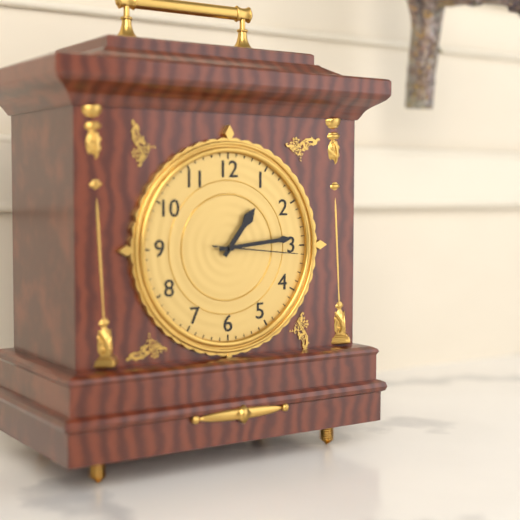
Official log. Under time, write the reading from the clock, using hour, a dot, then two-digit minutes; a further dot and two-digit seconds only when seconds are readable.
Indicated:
1.14.16
